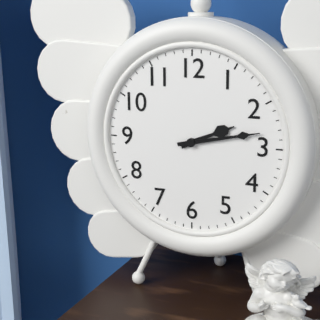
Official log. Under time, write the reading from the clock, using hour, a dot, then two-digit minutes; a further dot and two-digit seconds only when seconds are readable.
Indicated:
2.13
